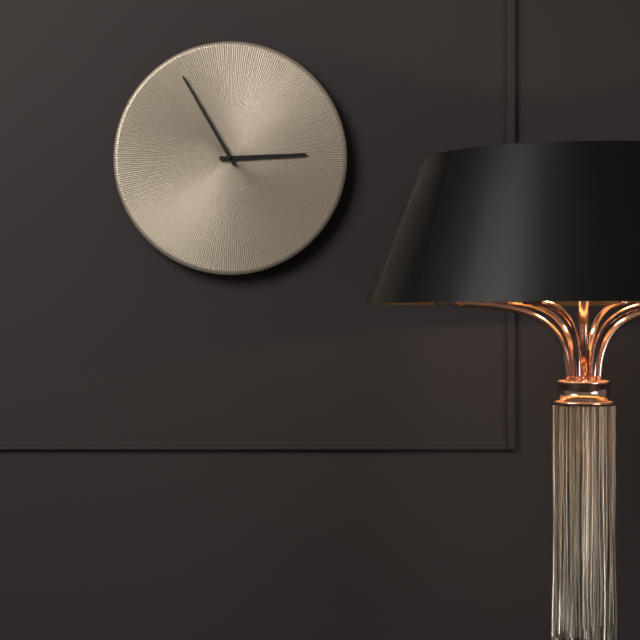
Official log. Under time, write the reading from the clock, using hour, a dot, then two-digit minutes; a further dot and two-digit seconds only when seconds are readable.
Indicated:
2.55
